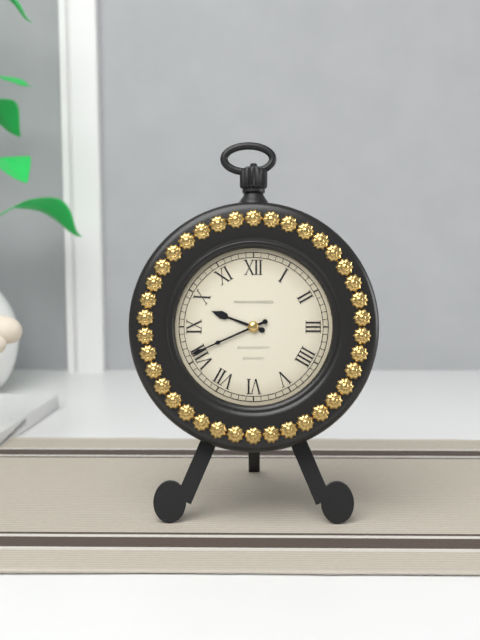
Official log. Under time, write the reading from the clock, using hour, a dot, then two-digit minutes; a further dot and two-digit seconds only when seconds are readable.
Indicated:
9.41
